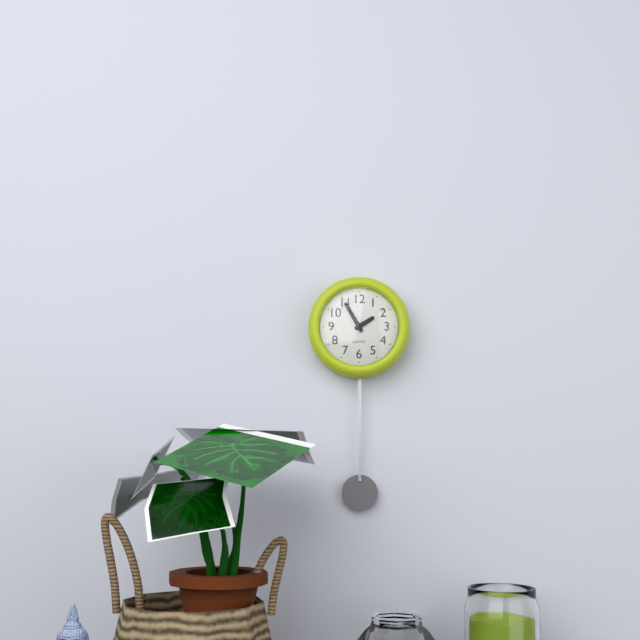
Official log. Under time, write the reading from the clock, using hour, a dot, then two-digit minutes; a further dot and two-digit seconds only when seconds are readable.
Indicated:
1.55
